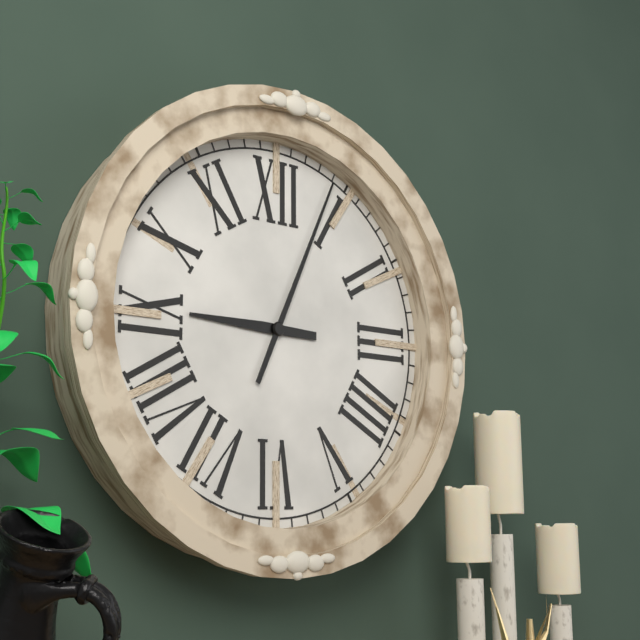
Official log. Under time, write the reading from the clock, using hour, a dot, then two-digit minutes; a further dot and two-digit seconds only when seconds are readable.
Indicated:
9.04
